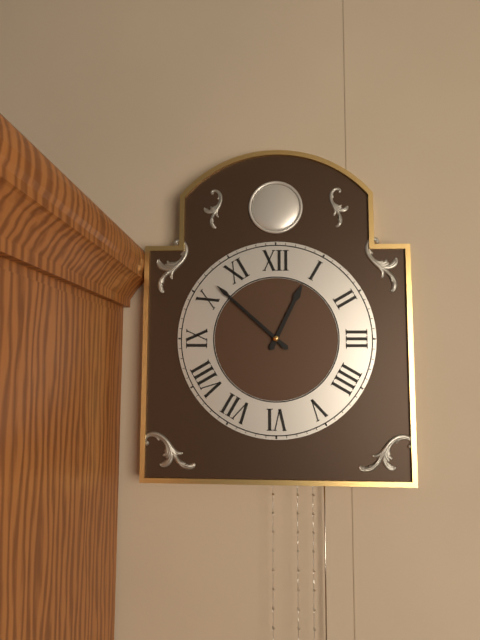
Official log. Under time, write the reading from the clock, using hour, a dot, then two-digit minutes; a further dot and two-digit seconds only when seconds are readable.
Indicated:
12.52
